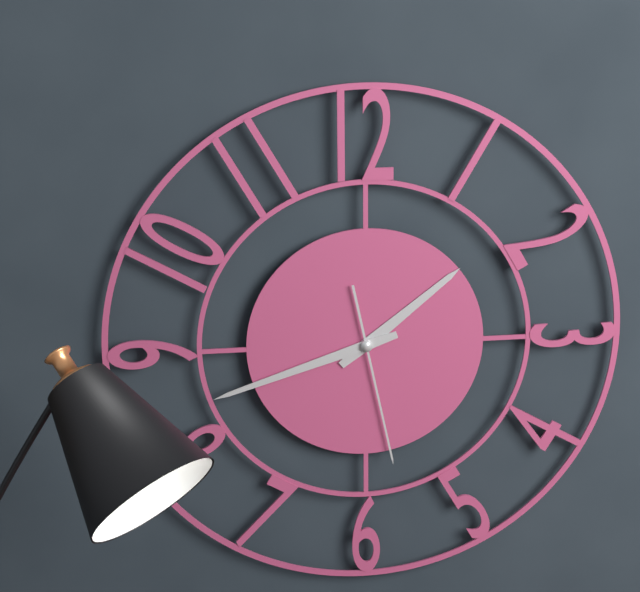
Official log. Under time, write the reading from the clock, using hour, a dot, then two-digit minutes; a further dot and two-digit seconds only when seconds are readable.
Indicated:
1.42.28
